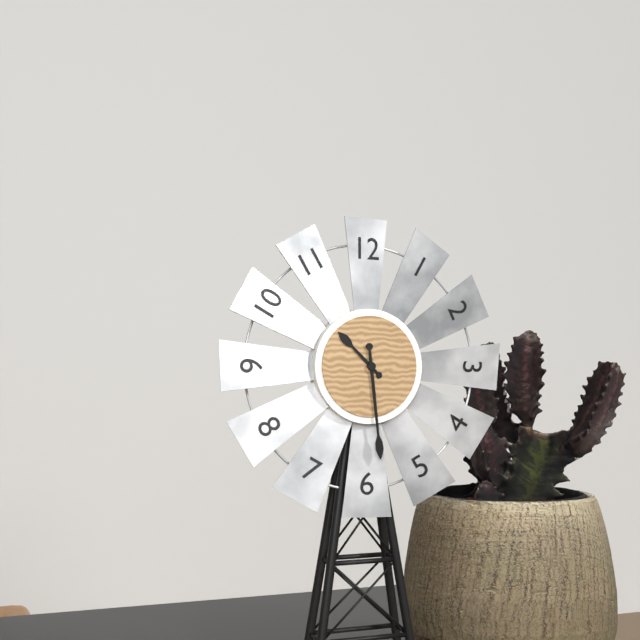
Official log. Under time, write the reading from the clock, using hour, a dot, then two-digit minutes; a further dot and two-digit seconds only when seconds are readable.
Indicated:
10.29
